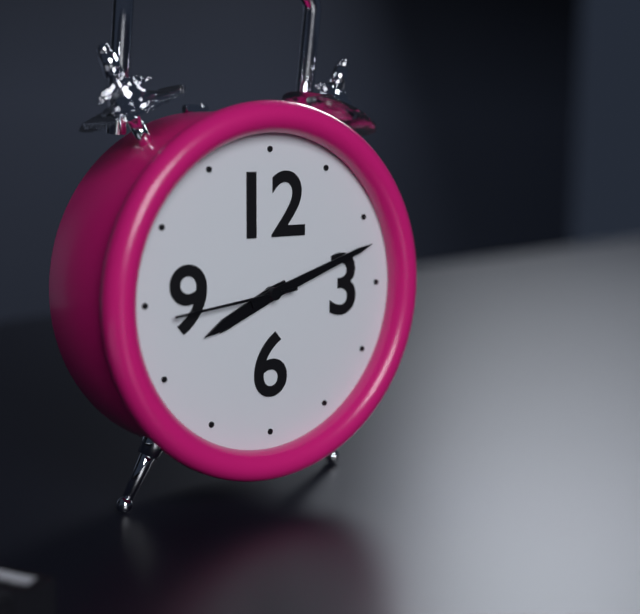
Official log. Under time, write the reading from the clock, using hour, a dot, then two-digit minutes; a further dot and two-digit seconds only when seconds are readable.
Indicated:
8.12.44
